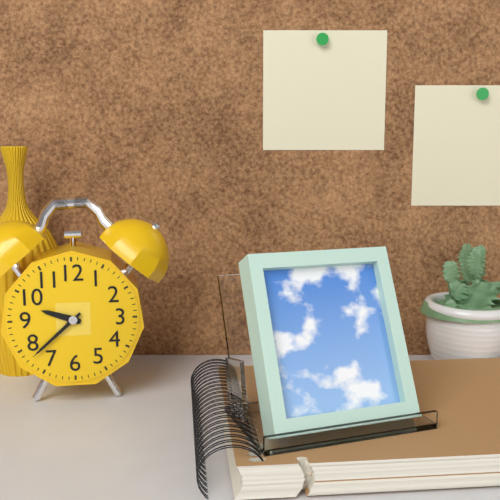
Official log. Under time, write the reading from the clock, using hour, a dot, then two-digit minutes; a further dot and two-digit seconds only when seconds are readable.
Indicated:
9.38
